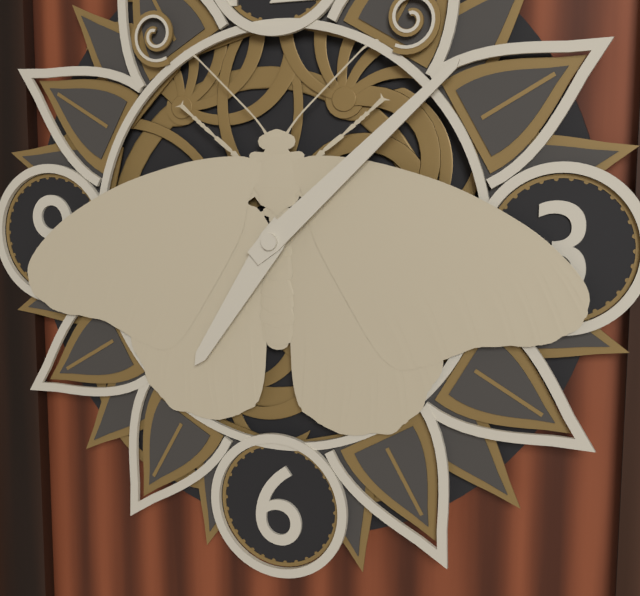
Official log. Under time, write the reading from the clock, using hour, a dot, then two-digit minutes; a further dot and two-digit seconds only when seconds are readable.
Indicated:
7.08
